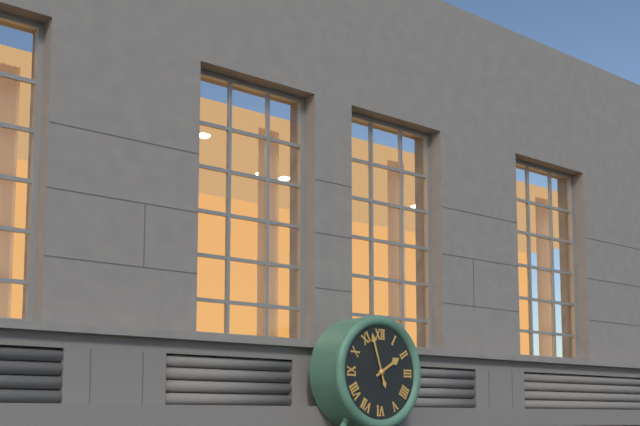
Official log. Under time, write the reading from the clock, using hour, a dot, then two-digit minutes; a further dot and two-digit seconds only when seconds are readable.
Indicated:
1.57
